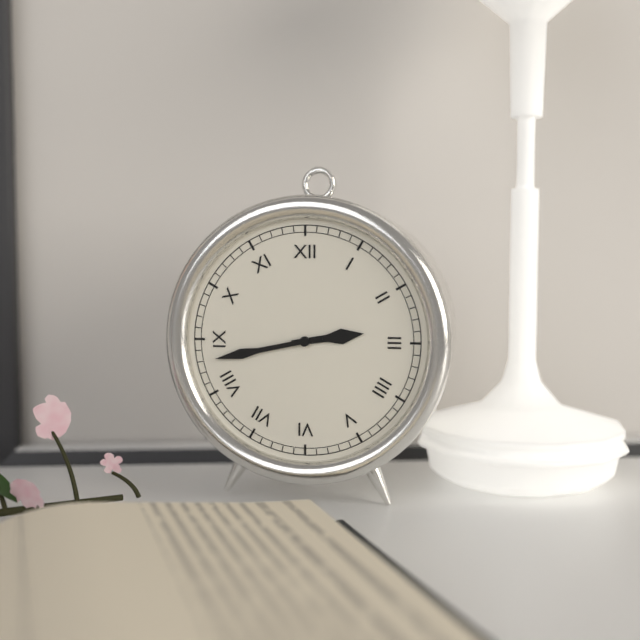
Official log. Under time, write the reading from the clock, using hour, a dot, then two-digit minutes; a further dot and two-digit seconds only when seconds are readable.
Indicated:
2.43
